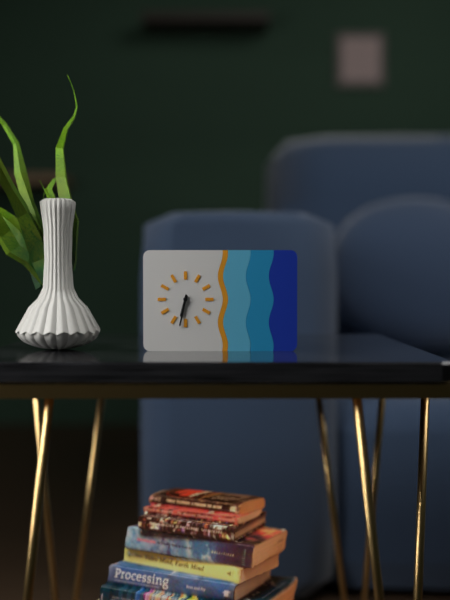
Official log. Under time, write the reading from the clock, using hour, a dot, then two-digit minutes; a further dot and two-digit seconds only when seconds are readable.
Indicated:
6.32
